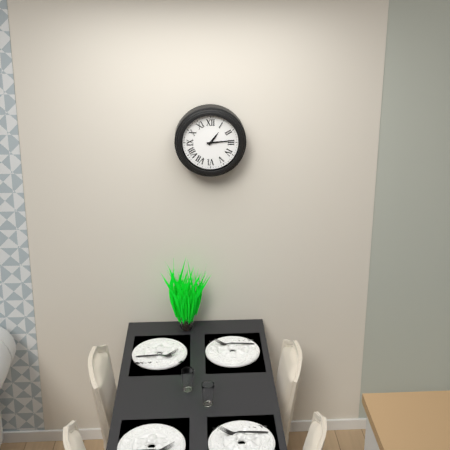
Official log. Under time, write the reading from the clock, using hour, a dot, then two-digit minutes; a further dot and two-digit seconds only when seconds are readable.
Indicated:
1.14
